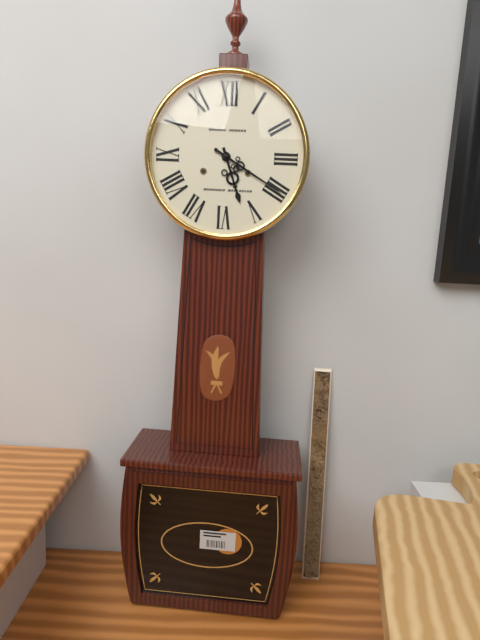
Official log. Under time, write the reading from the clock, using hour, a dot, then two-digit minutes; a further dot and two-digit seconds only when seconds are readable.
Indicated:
5.20
